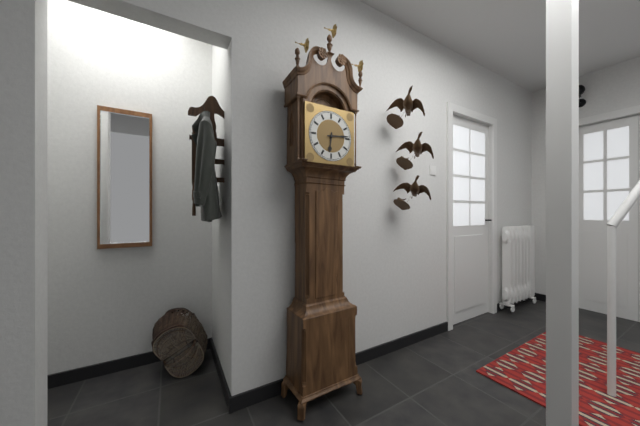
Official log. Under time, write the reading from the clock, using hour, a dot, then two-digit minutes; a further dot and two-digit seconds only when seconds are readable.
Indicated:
6.14
